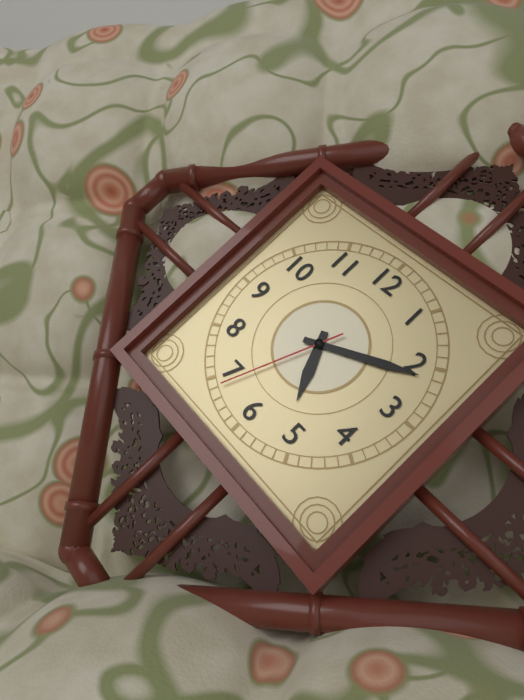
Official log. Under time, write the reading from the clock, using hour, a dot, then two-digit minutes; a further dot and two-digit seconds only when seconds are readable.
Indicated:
5.11.34
